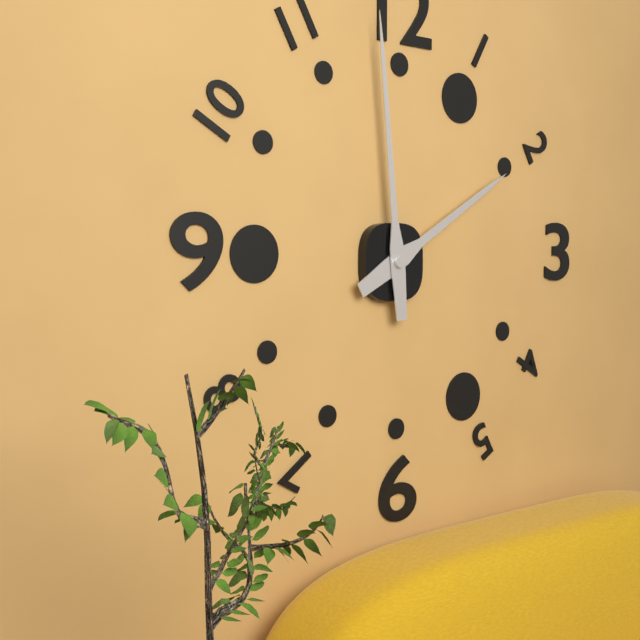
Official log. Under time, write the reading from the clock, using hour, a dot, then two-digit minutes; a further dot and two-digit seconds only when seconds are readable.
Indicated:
1.59
